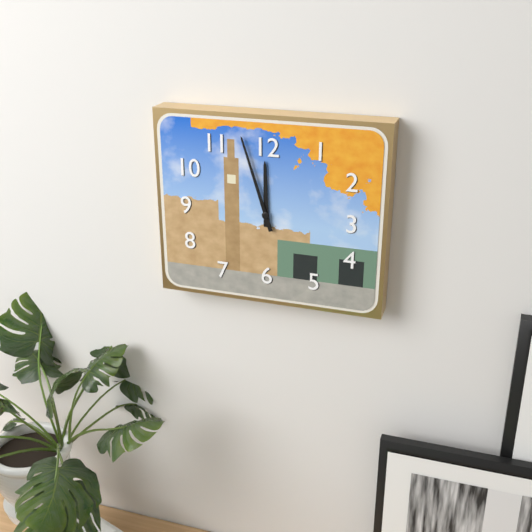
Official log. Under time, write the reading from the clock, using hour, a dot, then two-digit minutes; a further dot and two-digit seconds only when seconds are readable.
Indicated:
11.57
